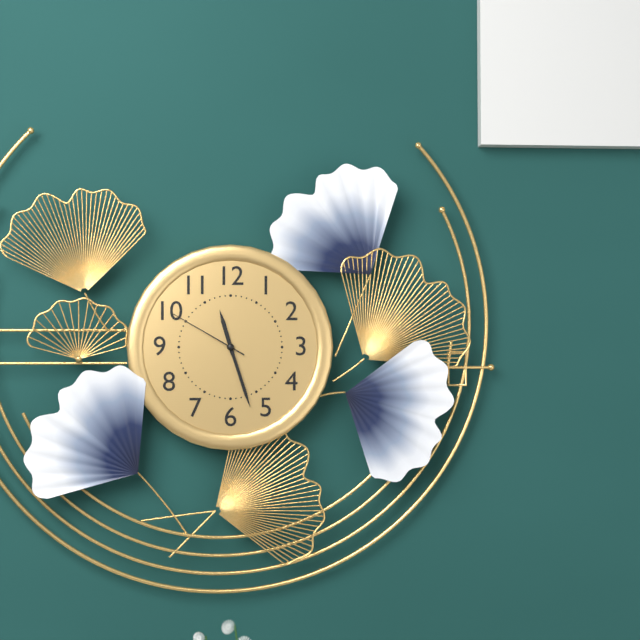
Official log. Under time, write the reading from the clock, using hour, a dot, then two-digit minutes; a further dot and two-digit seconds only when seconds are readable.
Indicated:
11.27.50
